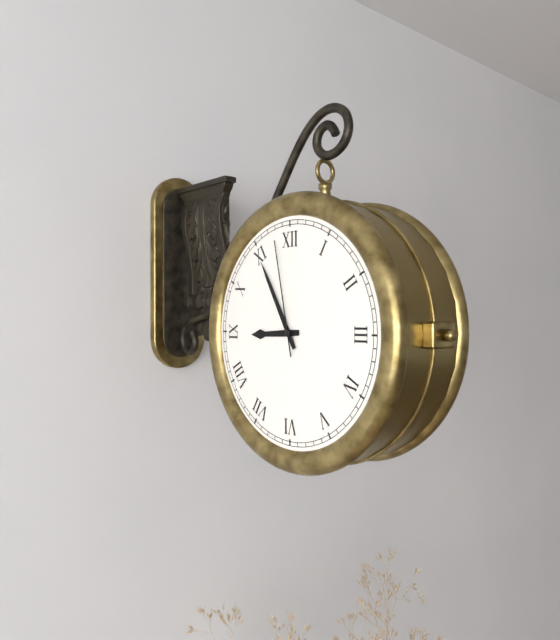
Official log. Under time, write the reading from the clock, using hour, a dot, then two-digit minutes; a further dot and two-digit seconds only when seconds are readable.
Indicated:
8.55.58
